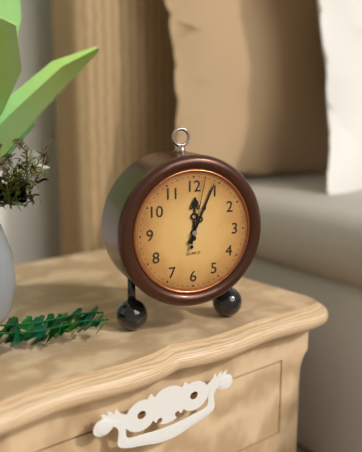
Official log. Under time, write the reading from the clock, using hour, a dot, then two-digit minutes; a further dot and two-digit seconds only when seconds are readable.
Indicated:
12.04.02
